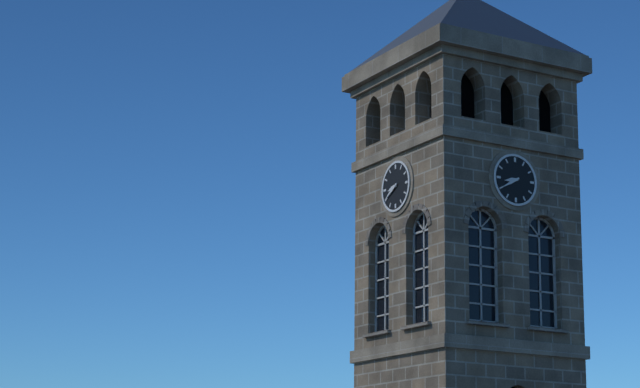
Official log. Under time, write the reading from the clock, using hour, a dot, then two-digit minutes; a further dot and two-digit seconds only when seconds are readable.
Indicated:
8.40
